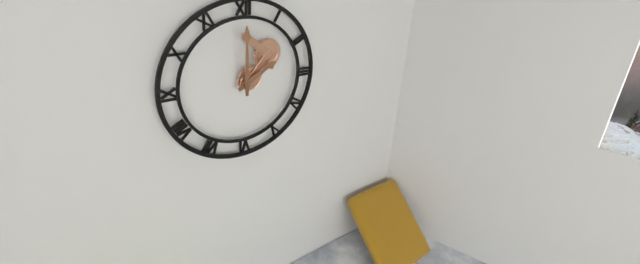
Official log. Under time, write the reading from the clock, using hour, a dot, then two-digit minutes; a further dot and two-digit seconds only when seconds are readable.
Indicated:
2.00
